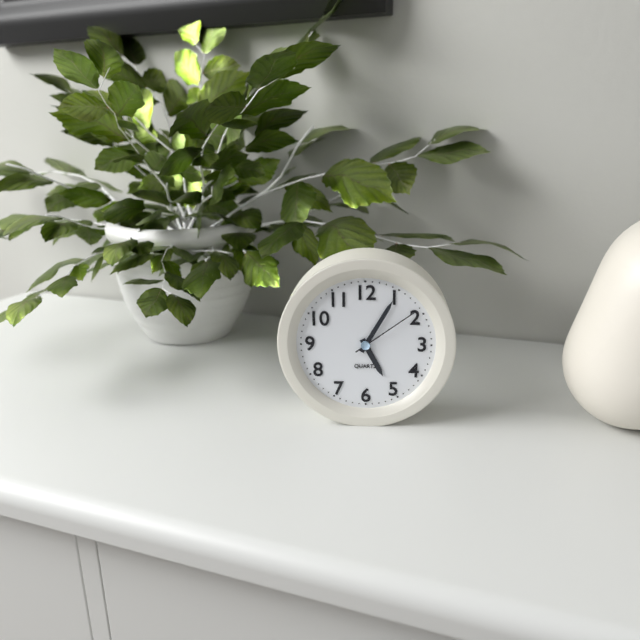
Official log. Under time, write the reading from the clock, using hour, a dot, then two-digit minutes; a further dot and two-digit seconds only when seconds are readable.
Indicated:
5.05.09
